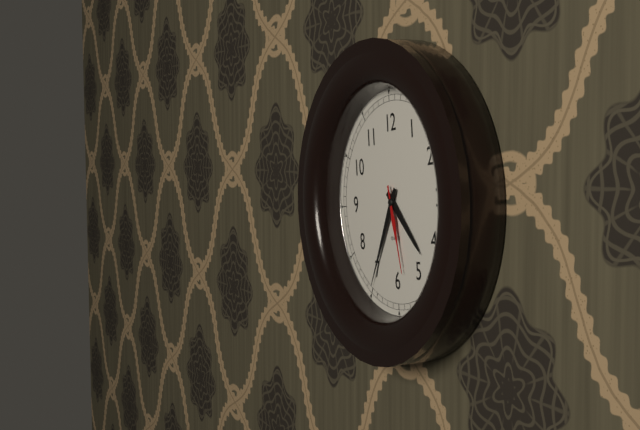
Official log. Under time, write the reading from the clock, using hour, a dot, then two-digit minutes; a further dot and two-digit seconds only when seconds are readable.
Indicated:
4.35.28
